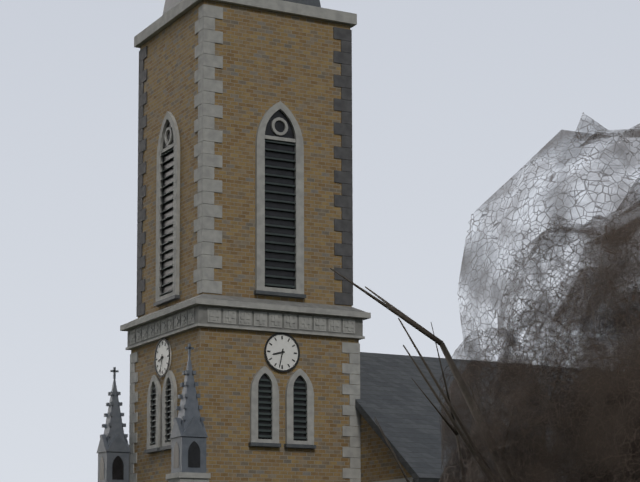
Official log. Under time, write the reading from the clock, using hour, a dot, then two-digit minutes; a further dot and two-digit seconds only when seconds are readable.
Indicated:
8.32
